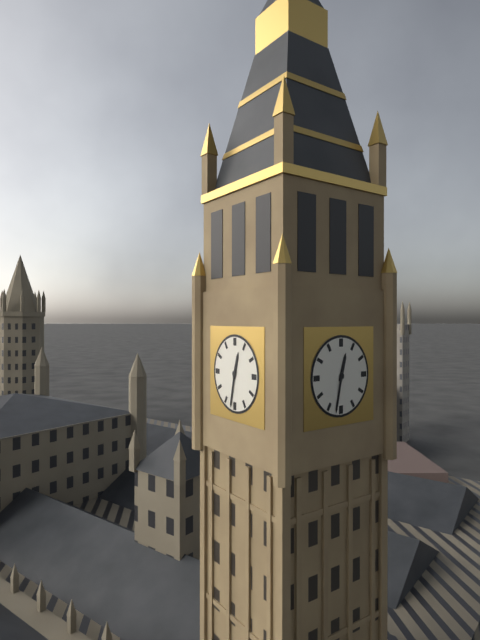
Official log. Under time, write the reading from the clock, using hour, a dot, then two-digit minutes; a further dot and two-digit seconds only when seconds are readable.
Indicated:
12.32
